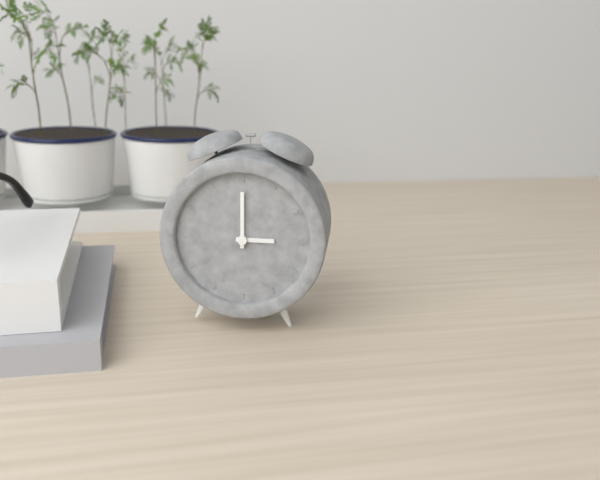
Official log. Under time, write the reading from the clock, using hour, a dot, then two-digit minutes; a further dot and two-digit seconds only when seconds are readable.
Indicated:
3.00
